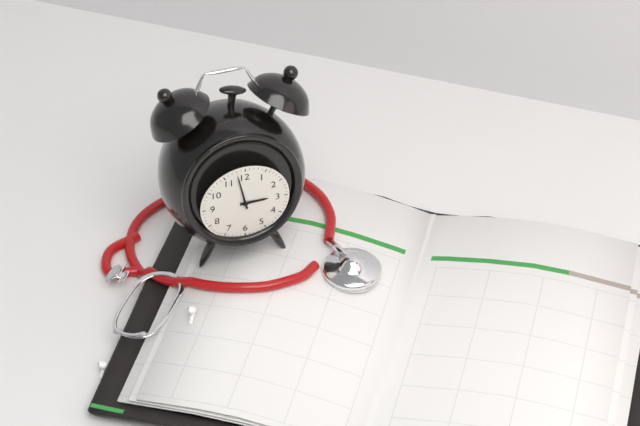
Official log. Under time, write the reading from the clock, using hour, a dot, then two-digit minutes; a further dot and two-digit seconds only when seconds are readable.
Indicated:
2.58
